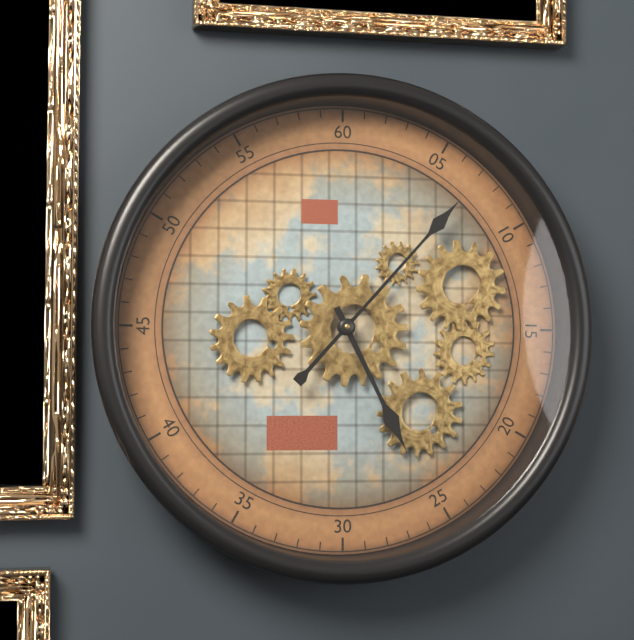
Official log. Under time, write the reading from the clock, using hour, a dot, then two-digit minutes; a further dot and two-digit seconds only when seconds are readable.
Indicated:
5.07
